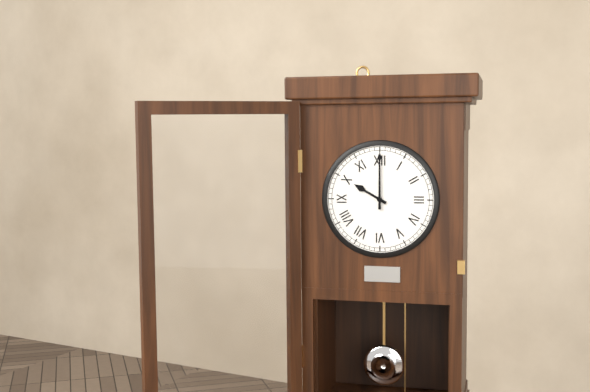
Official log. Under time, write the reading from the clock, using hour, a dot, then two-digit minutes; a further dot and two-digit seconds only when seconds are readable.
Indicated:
10.00
